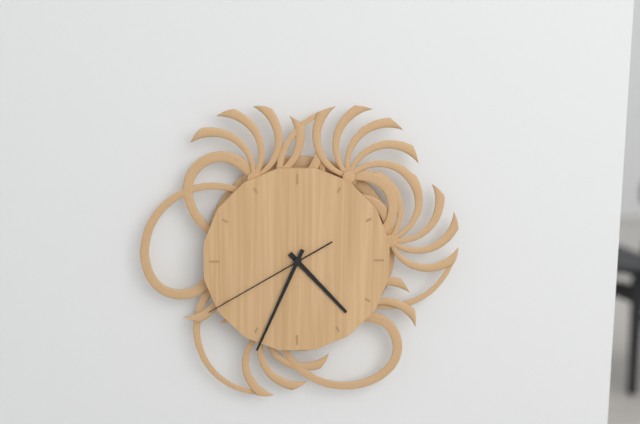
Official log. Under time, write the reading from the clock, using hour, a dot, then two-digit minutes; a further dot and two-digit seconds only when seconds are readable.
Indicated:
4.34.40
